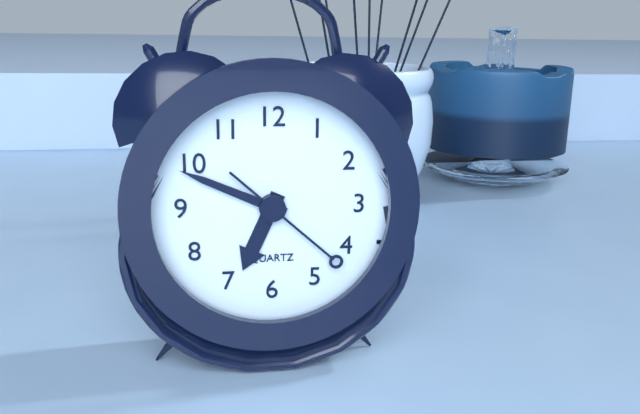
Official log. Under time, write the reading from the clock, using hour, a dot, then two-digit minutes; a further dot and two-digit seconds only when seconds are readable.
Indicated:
6.49.22
